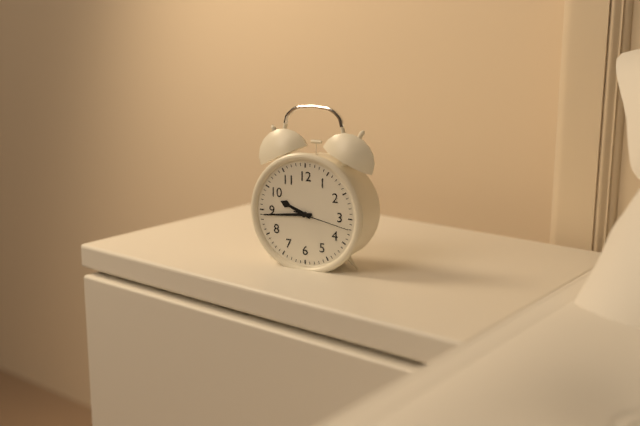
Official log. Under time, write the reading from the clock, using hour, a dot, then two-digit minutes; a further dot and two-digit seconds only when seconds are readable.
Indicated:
9.44.17
